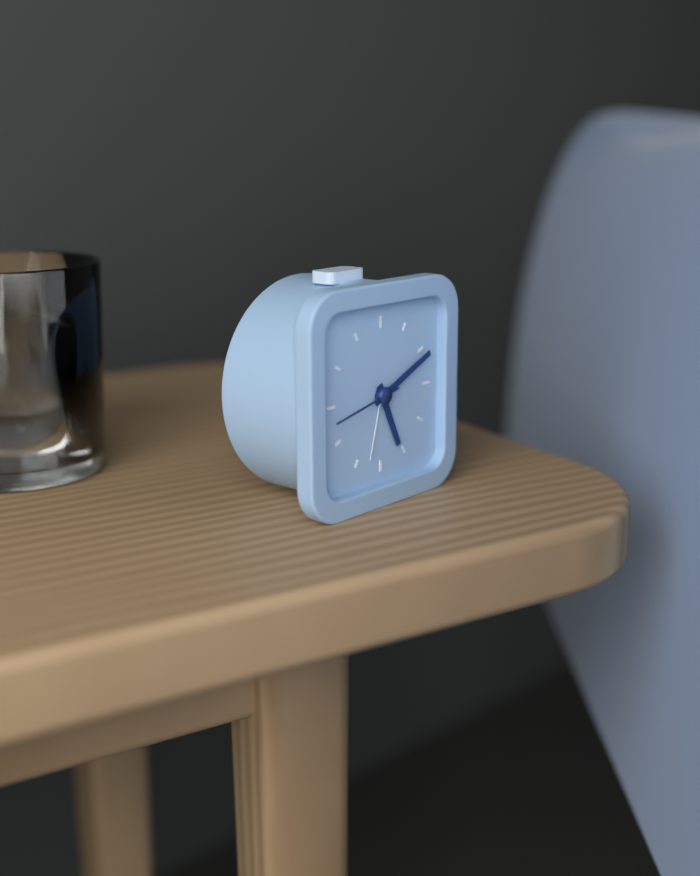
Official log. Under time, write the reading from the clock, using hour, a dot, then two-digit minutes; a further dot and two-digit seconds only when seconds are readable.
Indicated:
5.11.43
